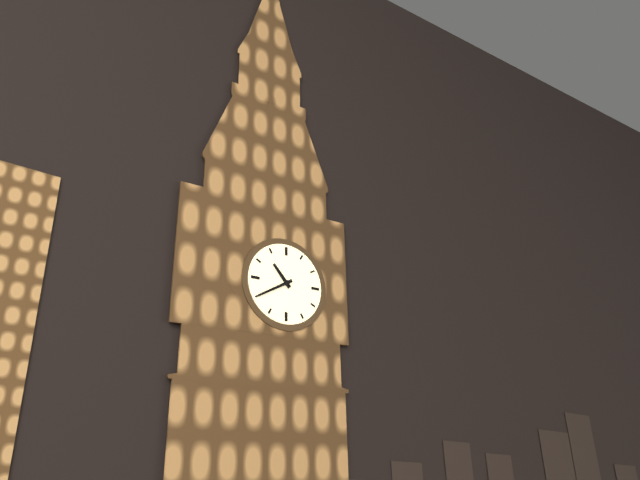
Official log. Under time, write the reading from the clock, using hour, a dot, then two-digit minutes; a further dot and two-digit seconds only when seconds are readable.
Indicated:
10.40
